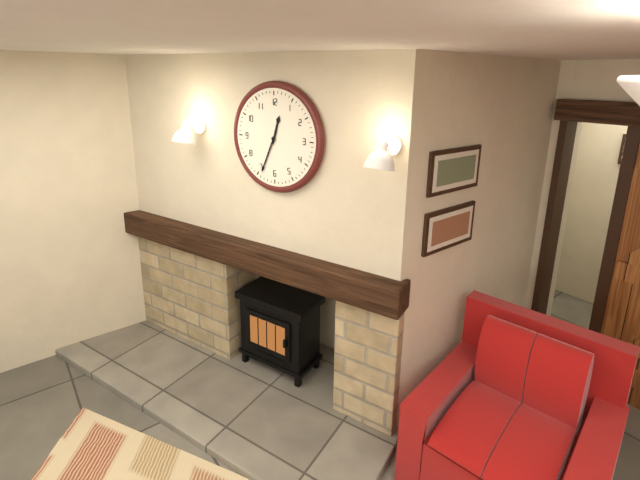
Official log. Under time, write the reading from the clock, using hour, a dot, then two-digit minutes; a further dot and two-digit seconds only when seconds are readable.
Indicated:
12.34
